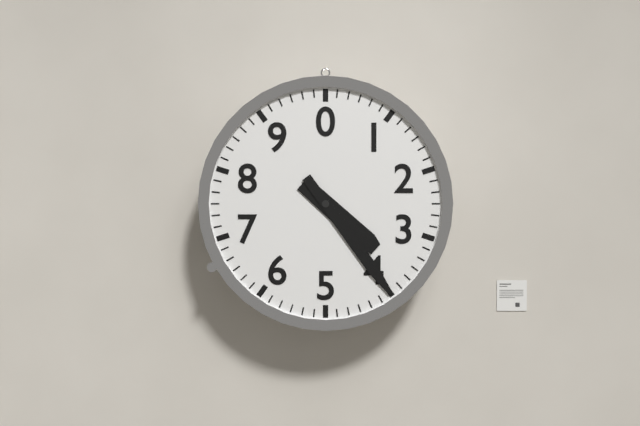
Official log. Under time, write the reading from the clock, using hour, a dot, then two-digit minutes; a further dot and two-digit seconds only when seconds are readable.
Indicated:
4.24
